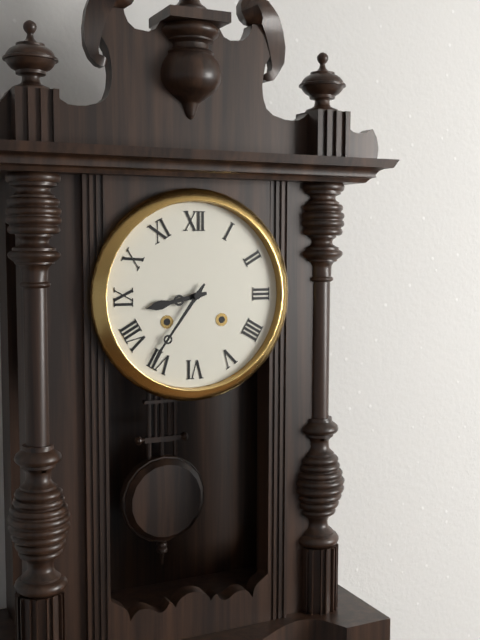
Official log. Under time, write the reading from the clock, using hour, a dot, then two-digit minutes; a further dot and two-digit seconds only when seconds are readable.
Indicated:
8.36
